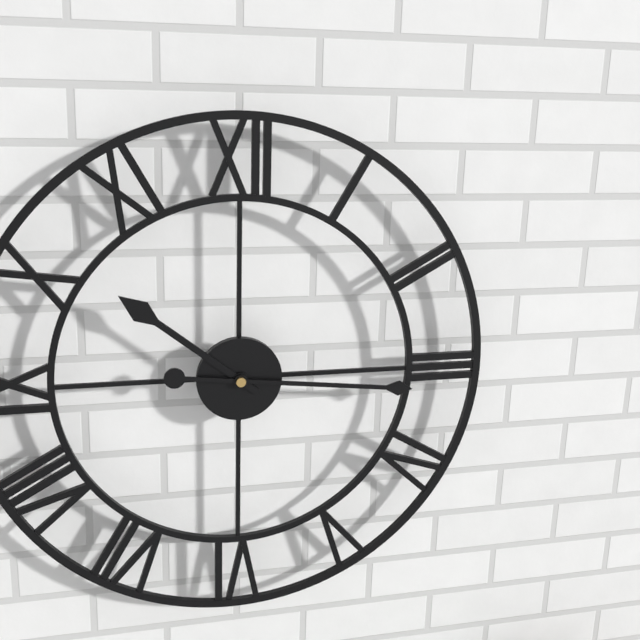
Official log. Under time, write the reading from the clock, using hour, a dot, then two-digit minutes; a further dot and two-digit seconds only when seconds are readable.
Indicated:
10.16
